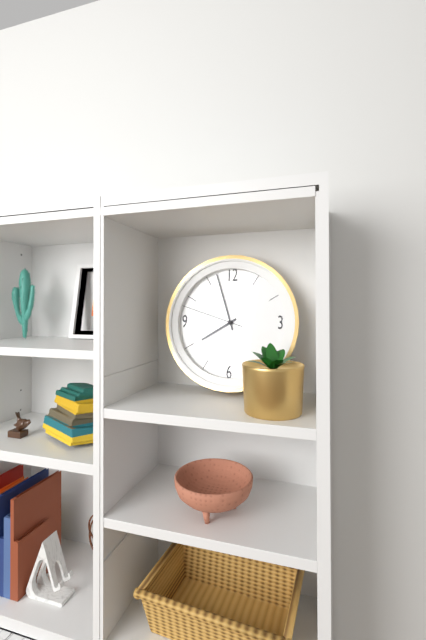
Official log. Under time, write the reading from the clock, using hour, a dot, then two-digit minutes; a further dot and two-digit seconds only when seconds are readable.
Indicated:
7.57.48
